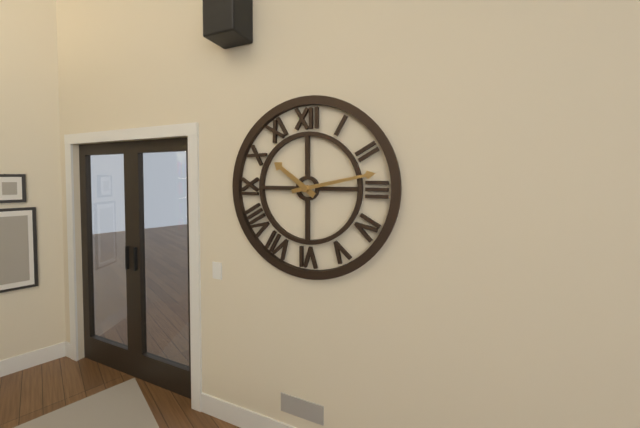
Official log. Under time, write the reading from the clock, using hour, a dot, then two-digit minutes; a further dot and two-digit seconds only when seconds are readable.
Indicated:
10.13
